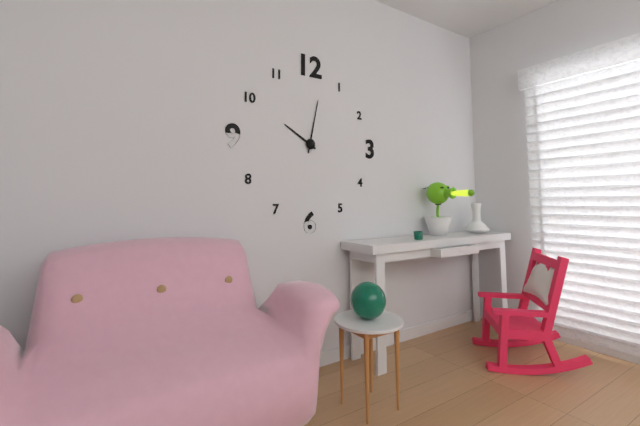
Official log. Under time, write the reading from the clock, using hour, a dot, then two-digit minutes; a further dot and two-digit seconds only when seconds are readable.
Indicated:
10.02
